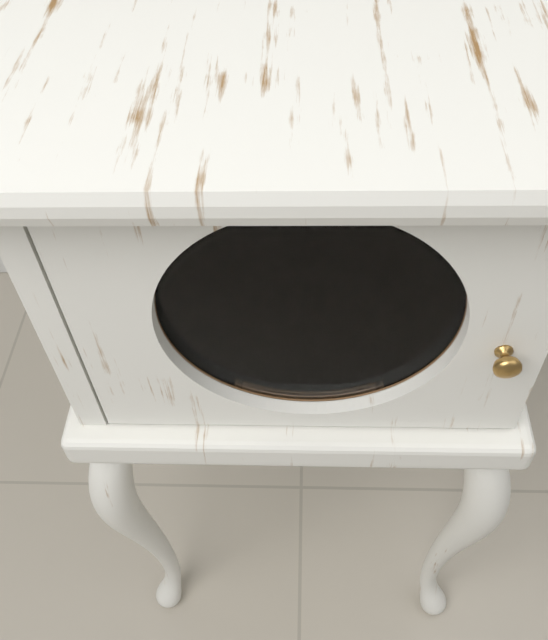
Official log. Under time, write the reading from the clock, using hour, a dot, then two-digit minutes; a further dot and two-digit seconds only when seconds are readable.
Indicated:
9.17.18
